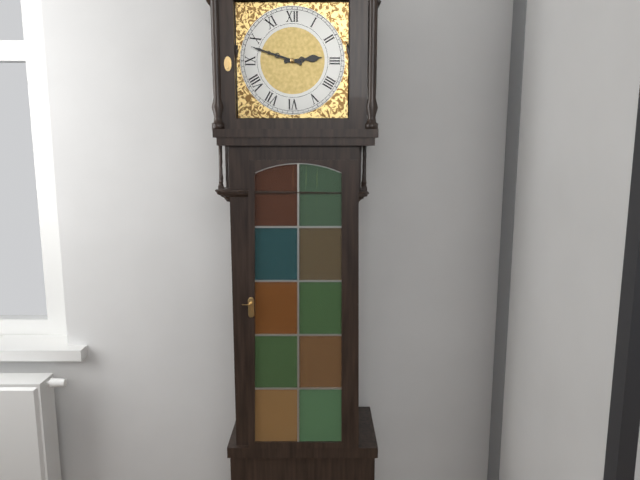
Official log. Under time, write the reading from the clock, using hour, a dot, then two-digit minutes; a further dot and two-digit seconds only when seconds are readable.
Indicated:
2.48
